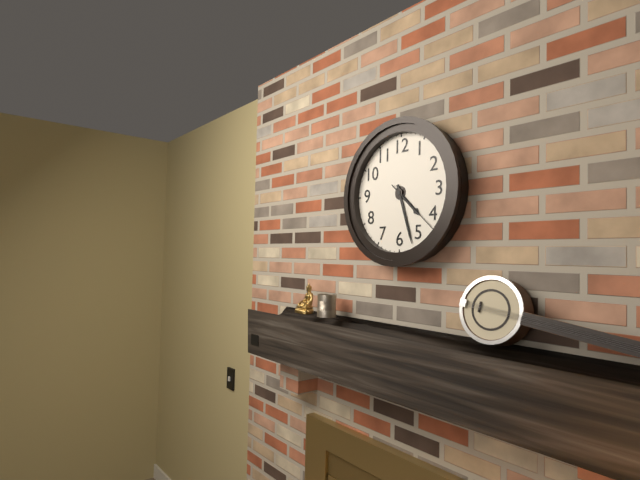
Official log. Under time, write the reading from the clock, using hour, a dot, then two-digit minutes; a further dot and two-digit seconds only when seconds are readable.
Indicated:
4.27.22
